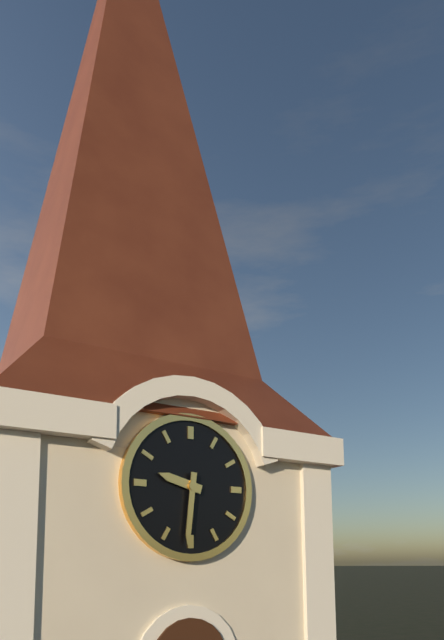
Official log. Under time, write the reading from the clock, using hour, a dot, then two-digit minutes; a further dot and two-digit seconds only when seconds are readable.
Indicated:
9.31
